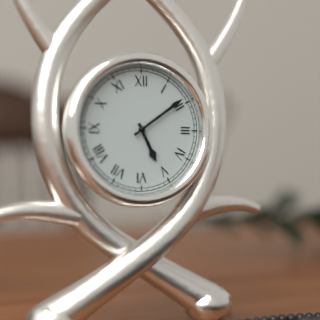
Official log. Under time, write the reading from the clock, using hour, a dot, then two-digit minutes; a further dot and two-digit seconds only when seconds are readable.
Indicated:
5.09
